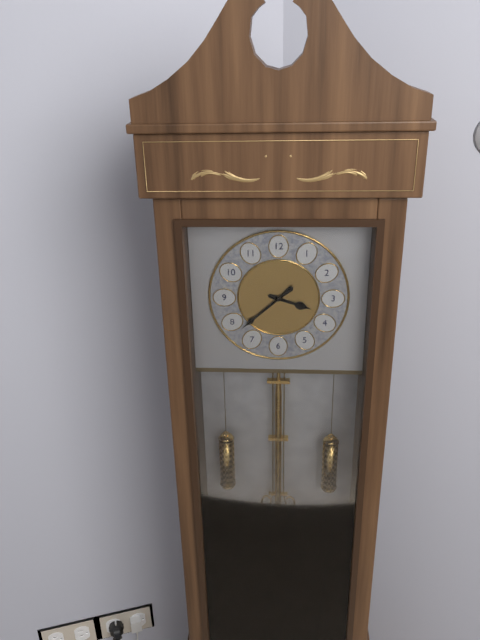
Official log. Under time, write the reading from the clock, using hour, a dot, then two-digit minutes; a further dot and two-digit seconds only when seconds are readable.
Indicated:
3.38
